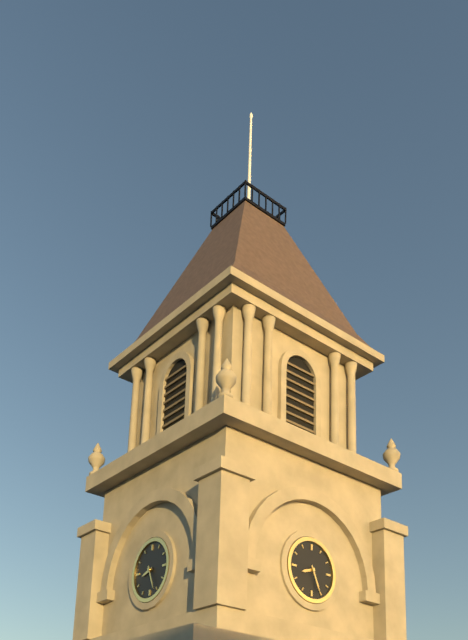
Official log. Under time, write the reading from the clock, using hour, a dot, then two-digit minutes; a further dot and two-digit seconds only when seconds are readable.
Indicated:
8.26
